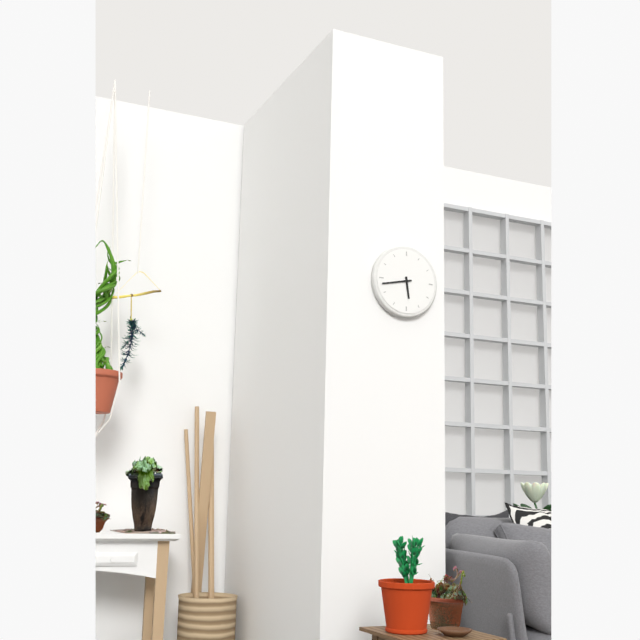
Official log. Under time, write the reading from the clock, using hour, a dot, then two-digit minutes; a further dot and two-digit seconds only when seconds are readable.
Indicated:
5.43
